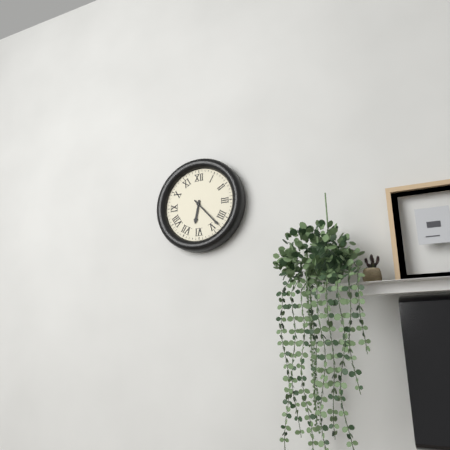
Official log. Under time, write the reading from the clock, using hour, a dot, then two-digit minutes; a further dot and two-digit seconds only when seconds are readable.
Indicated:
6.23
